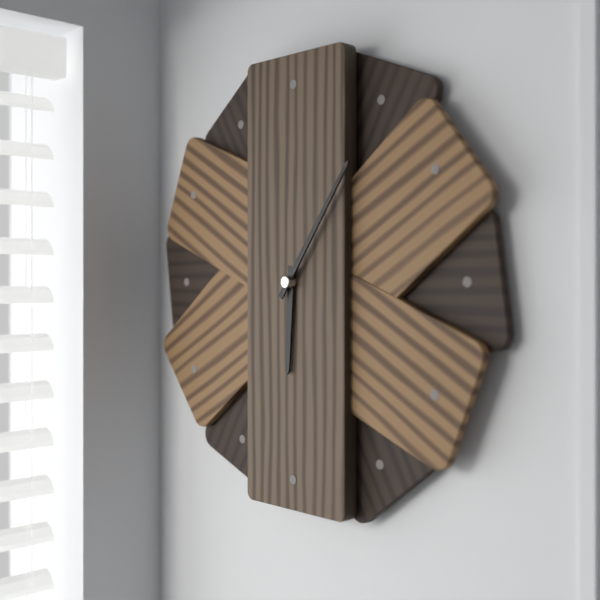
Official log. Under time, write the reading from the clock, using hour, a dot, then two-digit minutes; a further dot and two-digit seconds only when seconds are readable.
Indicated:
6.06
